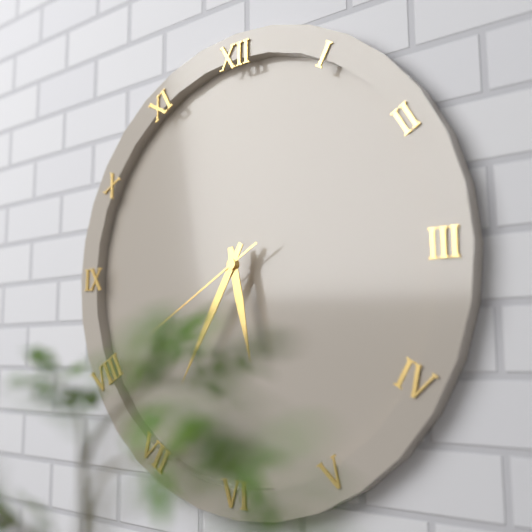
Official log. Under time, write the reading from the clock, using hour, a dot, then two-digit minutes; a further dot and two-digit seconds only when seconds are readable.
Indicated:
5.35.40
